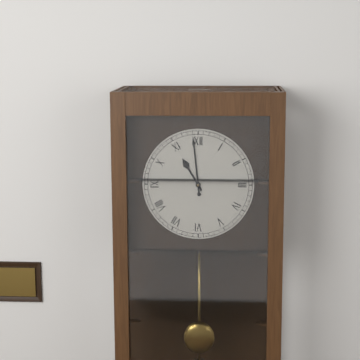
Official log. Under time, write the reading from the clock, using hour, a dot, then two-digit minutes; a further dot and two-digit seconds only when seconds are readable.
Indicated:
10.59
